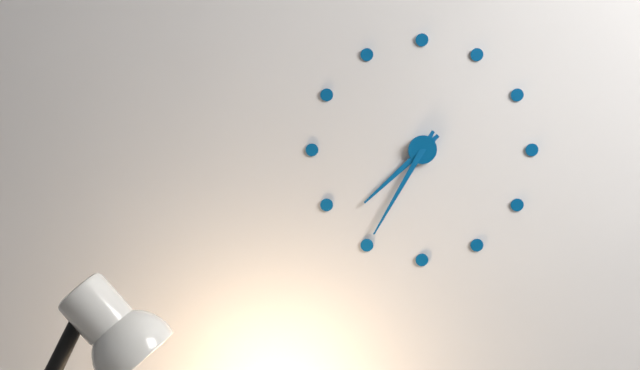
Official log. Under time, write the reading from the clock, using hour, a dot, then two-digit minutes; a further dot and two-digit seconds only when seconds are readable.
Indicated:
7.35
